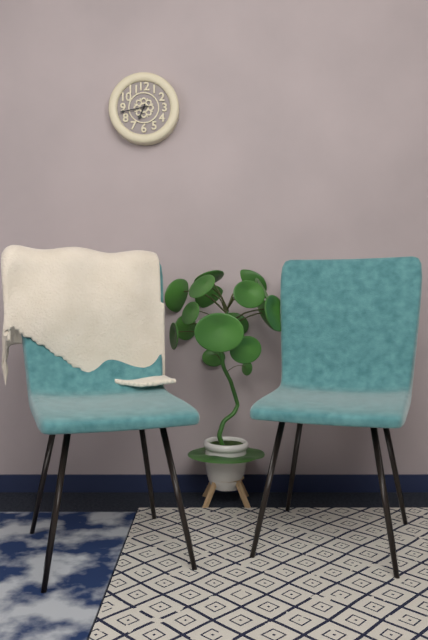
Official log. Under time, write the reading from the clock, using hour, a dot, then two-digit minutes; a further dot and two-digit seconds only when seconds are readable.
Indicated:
6.43
